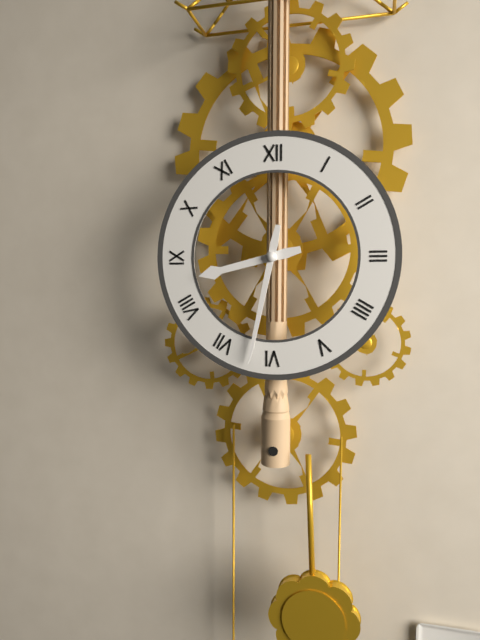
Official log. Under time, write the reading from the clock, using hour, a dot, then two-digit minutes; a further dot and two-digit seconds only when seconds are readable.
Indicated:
8.32
